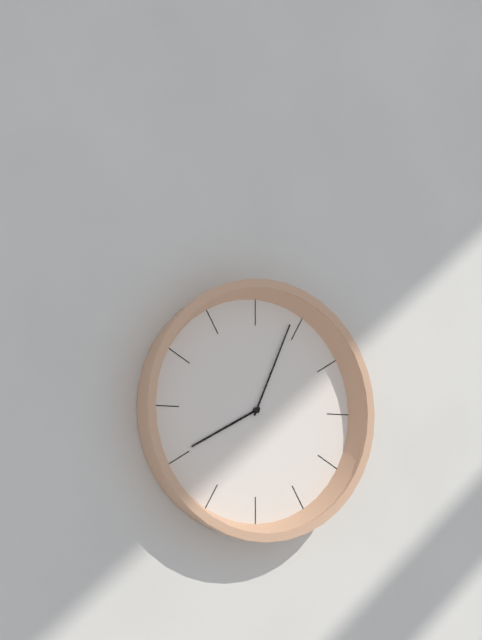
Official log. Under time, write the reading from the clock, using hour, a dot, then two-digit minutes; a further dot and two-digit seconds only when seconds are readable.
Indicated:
8.04
